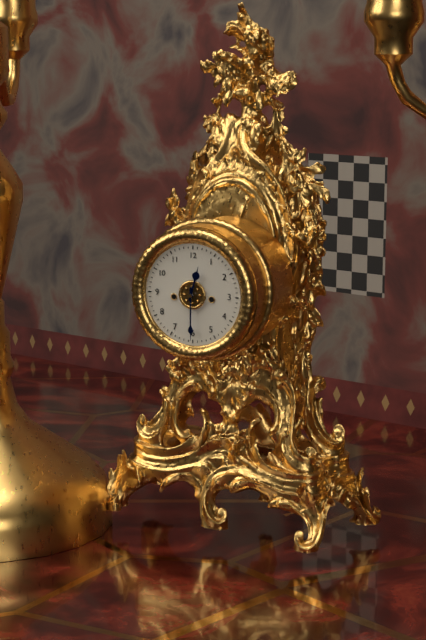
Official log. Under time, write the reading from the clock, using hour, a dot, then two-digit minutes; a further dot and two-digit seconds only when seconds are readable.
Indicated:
12.30
